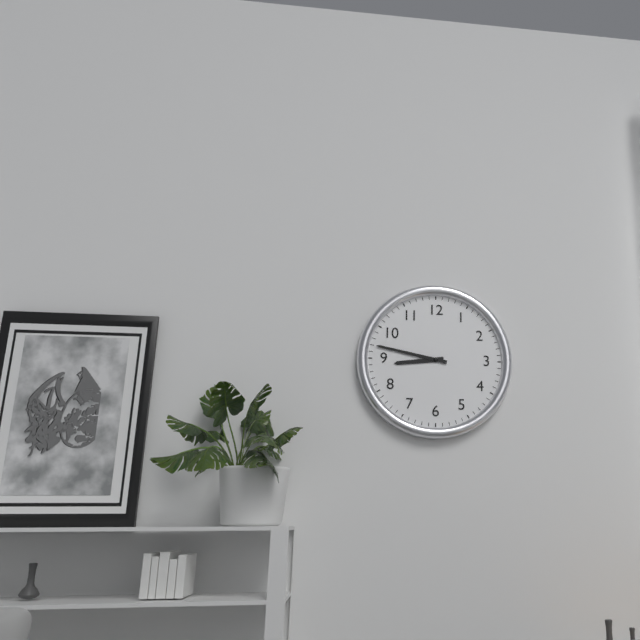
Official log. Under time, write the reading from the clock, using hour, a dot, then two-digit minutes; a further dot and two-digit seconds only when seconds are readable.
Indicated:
8.47
